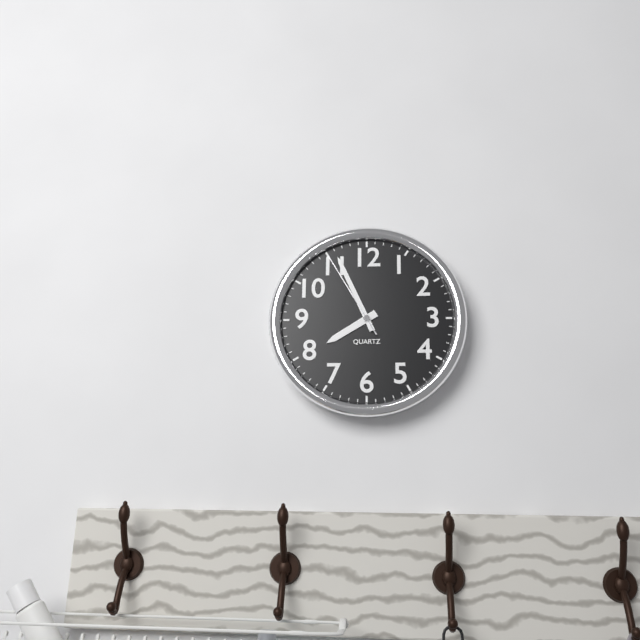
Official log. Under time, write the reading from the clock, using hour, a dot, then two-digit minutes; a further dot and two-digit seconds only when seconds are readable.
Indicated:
7.56.55
